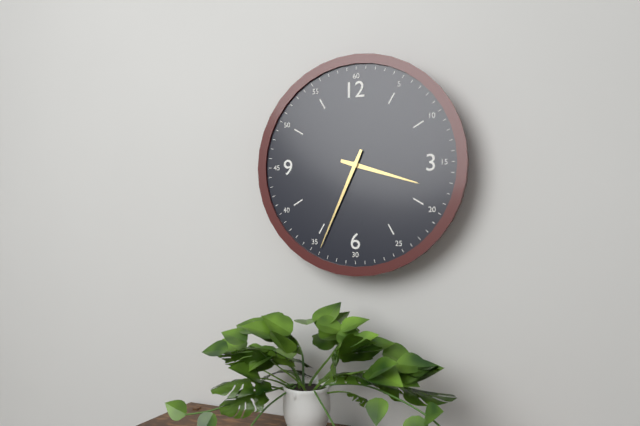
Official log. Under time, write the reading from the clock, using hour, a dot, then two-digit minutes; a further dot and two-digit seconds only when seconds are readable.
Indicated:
3.34
